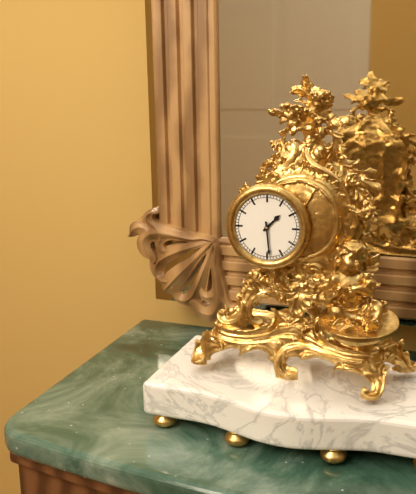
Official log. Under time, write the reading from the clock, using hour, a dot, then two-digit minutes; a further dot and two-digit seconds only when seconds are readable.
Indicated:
1.29
